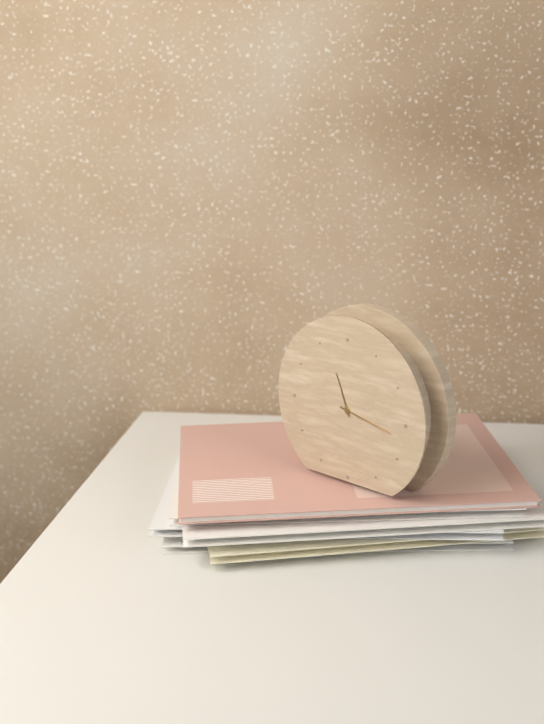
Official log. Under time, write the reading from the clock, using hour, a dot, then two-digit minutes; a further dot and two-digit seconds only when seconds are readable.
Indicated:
11.17
